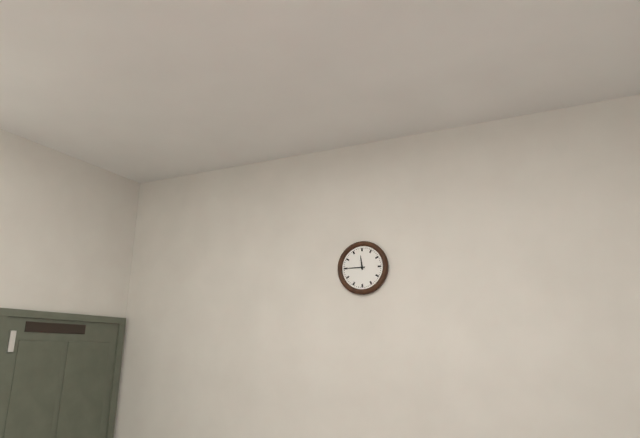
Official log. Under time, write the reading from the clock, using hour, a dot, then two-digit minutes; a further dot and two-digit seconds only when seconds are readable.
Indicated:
11.45
